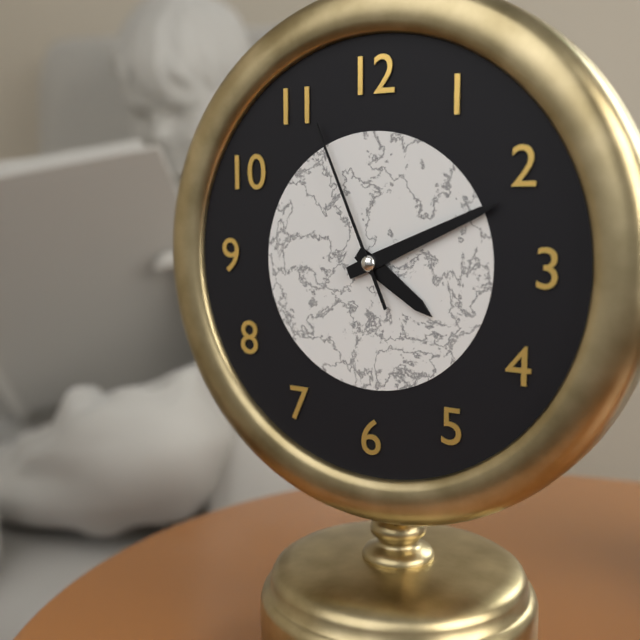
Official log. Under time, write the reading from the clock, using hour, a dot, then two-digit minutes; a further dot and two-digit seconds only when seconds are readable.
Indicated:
4.11.56
